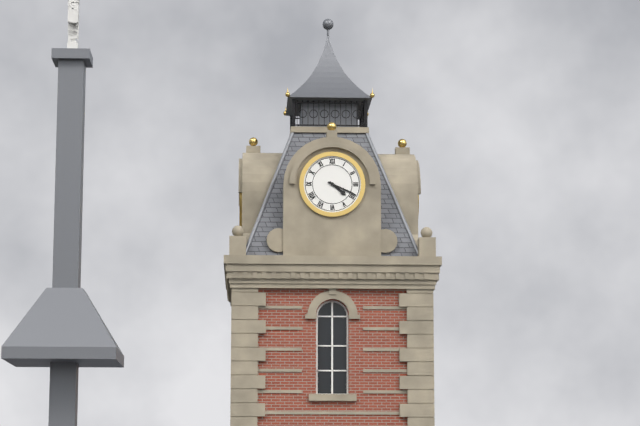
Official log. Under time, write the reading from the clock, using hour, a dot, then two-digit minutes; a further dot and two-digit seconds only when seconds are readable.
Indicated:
4.19
